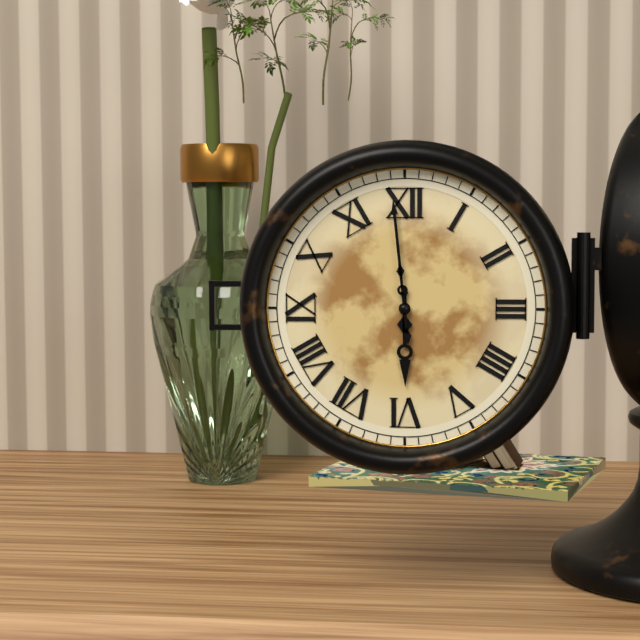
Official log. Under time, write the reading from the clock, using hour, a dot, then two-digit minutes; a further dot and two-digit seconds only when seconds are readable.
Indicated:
5.59
